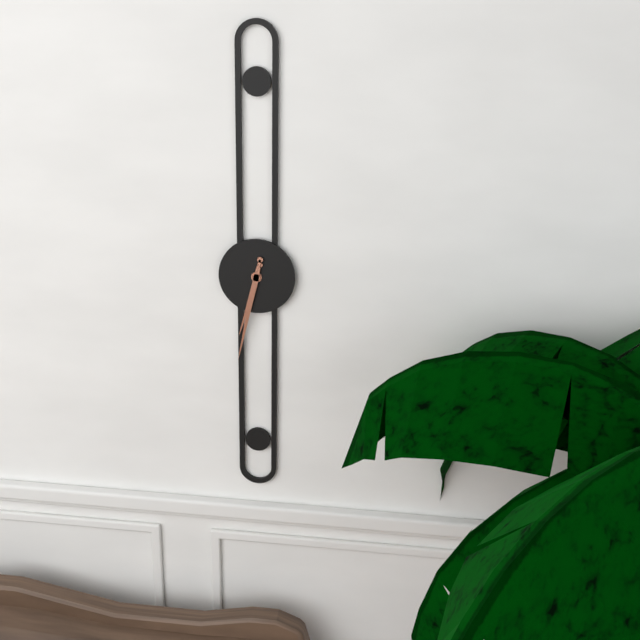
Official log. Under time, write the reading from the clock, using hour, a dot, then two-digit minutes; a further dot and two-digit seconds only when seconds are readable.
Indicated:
6.32
